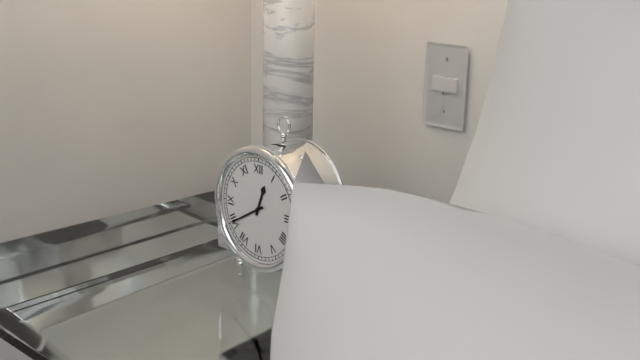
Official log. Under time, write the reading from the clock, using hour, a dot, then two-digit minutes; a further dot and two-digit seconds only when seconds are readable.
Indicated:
12.40
